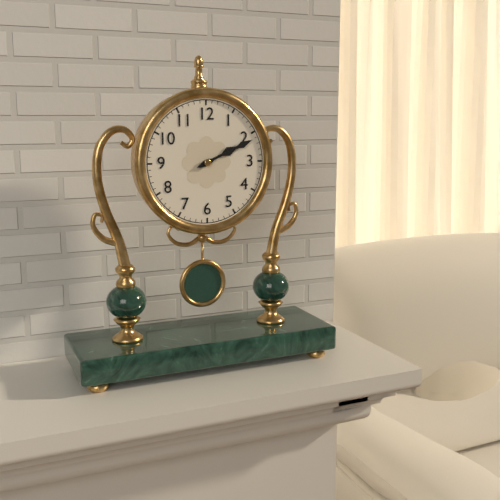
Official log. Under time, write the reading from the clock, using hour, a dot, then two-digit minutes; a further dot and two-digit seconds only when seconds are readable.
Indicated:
2.11
